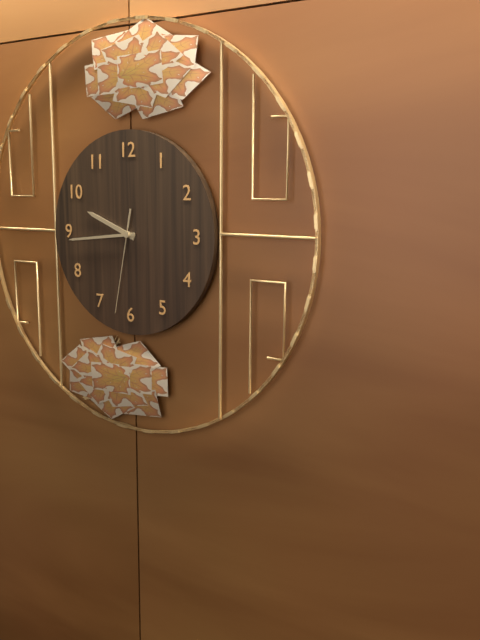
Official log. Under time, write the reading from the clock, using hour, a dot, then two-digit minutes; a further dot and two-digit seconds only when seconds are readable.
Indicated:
9.44.32
